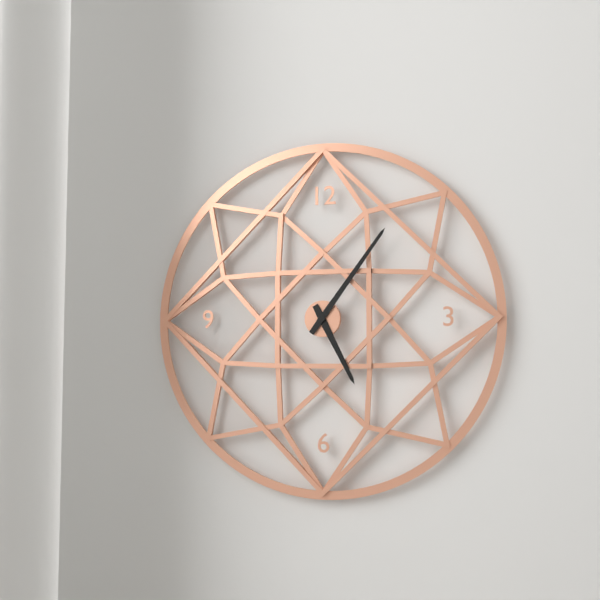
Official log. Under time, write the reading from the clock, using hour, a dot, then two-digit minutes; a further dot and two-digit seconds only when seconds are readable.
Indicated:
5.06
